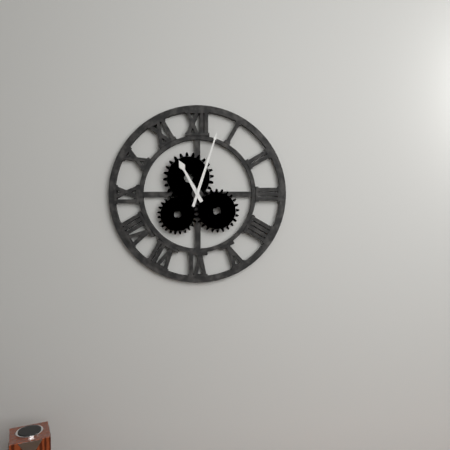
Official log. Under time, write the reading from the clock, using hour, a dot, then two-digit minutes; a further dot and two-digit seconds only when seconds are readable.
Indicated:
11.03
